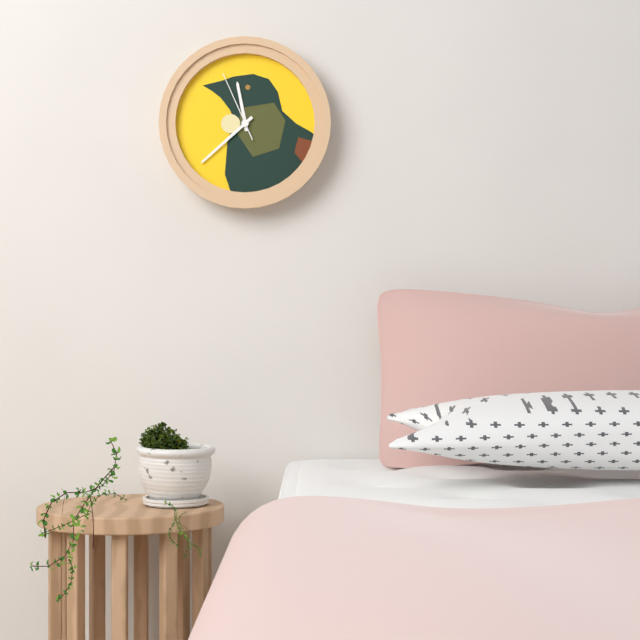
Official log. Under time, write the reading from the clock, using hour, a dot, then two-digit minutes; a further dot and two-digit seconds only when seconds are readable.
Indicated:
11.38.56
